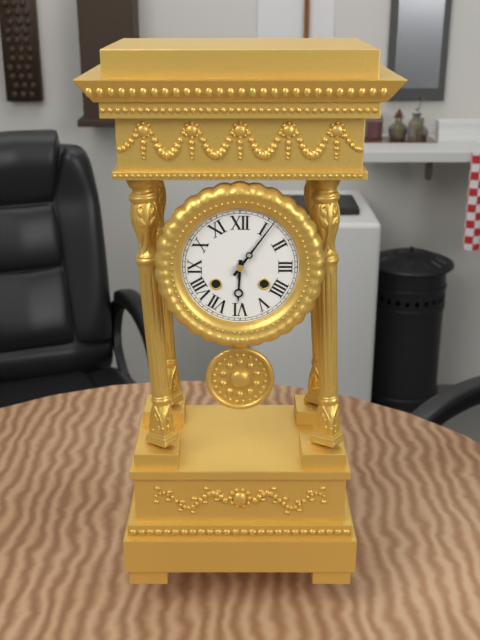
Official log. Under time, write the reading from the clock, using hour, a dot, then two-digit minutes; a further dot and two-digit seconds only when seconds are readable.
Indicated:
6.06
